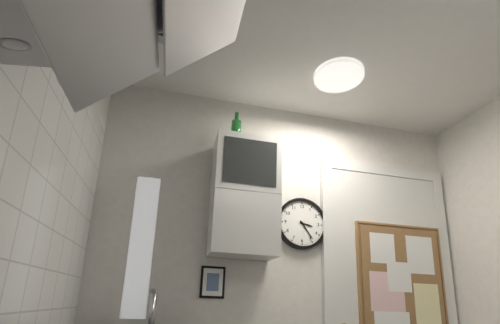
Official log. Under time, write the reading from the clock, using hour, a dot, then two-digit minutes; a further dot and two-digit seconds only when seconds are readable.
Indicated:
3.24
